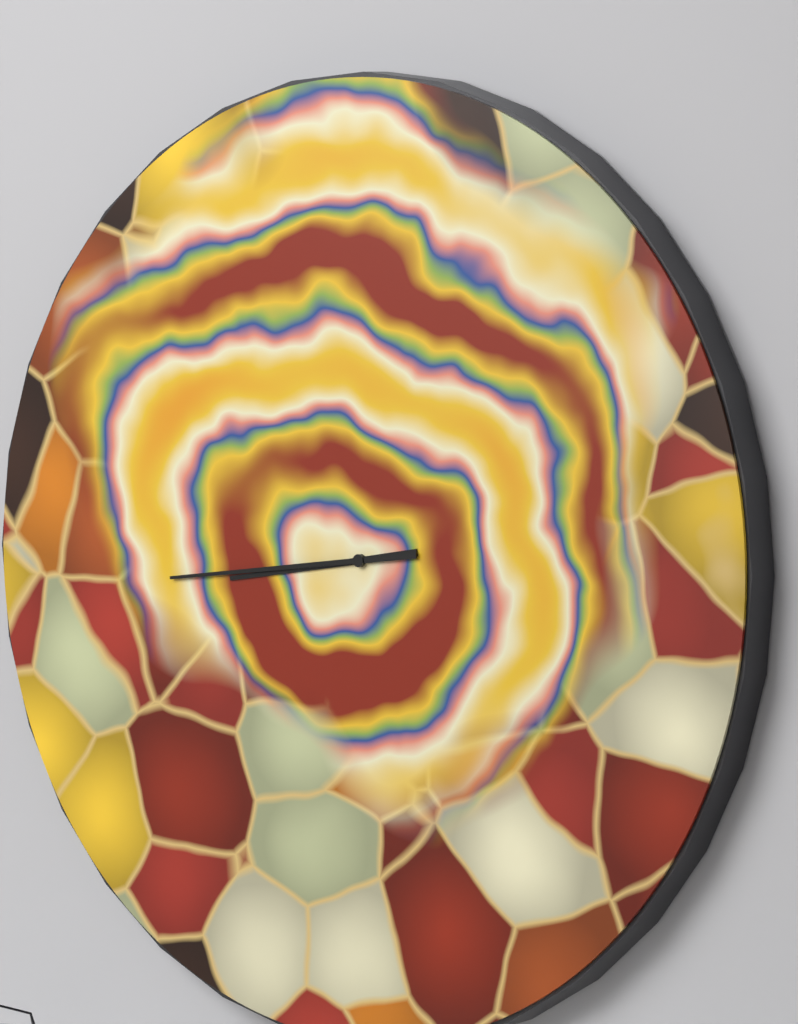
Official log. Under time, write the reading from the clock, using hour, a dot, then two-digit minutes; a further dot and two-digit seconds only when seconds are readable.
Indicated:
8.44
